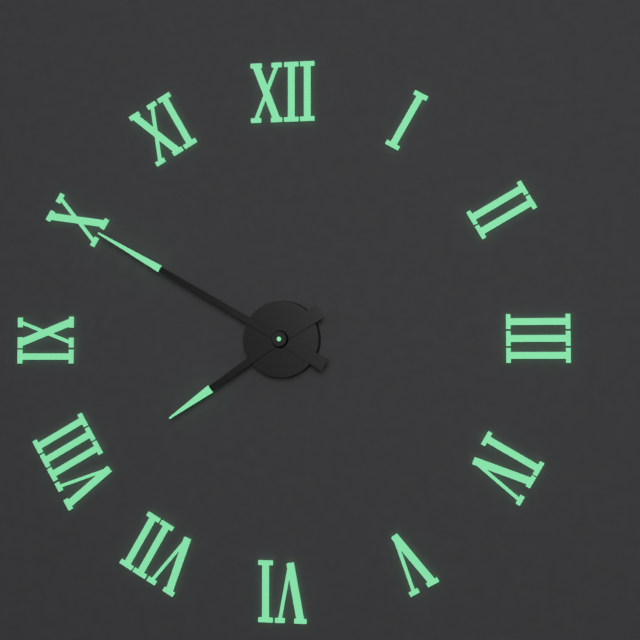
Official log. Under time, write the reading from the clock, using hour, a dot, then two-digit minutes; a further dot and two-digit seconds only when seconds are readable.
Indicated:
7.50
